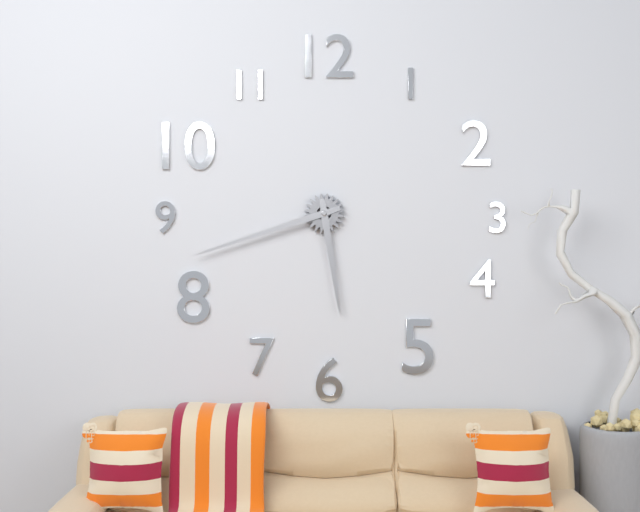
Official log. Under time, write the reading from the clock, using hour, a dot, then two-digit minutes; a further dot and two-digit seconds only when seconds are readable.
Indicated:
5.42
